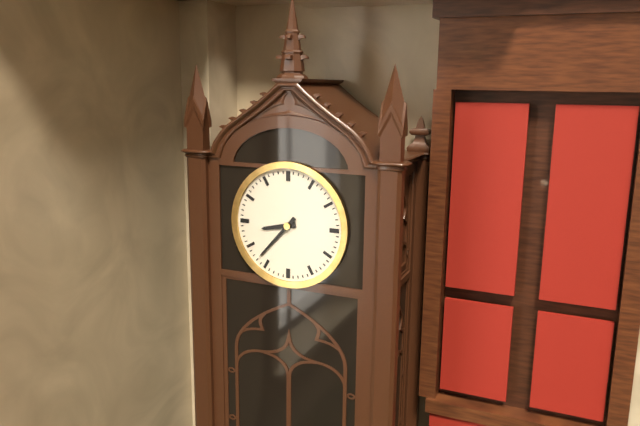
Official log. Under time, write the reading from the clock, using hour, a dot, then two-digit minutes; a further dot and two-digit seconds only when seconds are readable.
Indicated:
8.37
